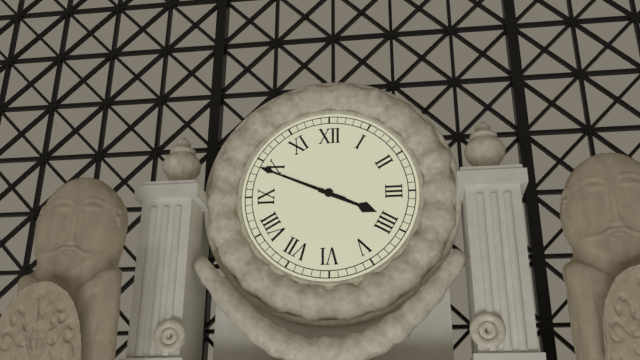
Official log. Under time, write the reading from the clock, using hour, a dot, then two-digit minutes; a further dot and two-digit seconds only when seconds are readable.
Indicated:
3.49
